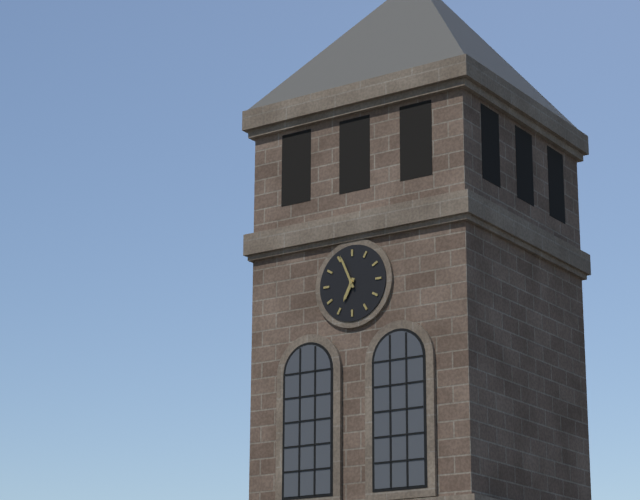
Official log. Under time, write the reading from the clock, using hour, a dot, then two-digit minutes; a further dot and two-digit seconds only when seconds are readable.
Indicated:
6.56
